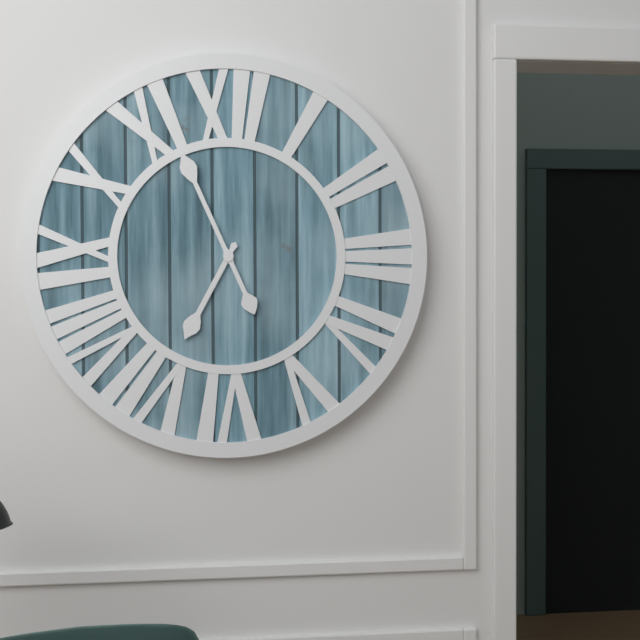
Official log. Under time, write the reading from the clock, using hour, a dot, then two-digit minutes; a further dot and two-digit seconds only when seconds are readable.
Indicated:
6.56
